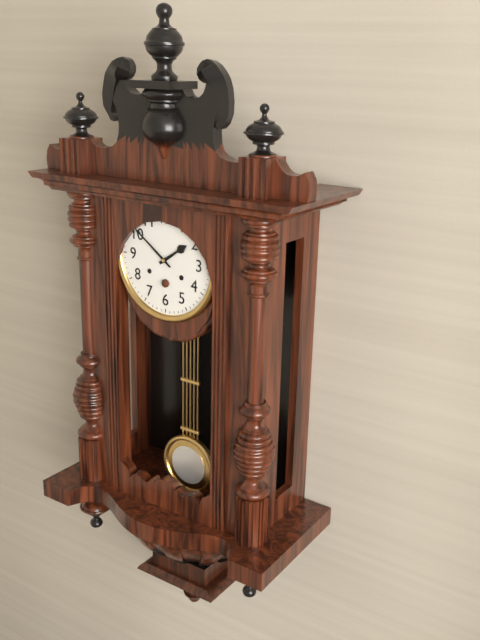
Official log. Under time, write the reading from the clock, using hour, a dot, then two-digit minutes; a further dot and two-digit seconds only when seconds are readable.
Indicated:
1.51
